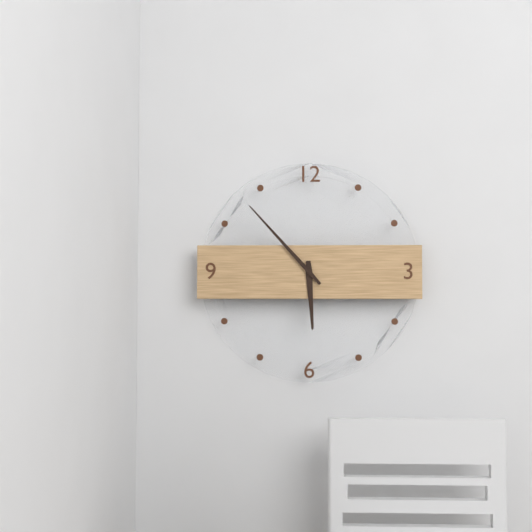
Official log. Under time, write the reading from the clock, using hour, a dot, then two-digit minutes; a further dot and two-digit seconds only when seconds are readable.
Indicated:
5.53
